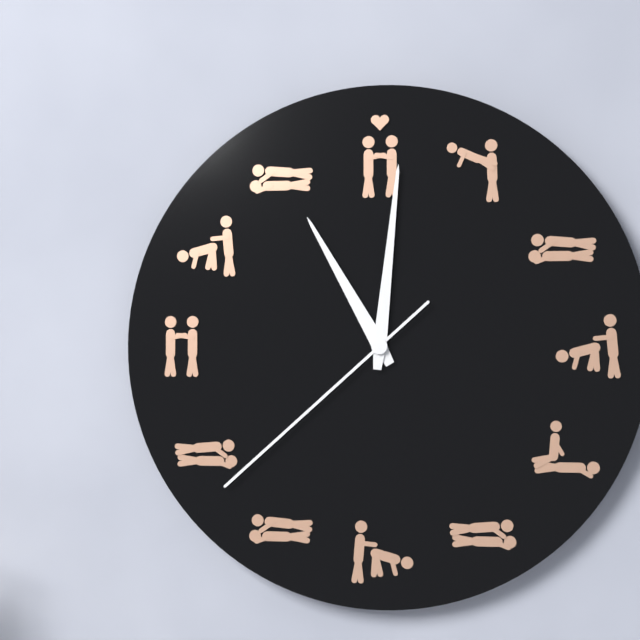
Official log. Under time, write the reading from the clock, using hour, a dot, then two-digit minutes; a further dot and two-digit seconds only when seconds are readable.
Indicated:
11.01.38
